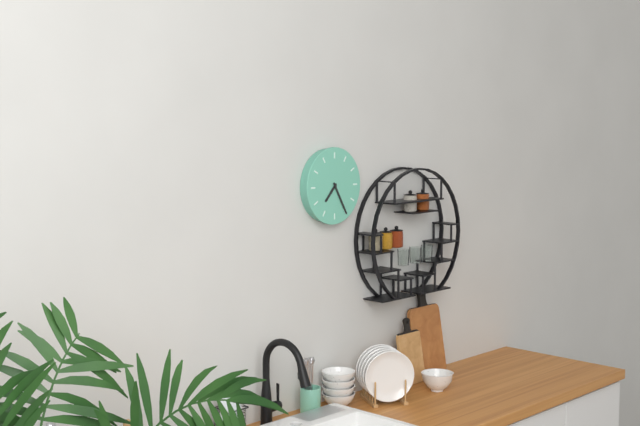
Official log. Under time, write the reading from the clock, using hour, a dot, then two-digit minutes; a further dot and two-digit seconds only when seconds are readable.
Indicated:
7.25
